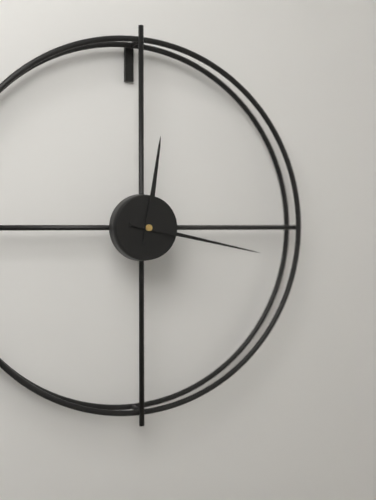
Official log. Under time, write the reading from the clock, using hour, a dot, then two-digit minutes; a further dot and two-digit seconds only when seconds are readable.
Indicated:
12.17
